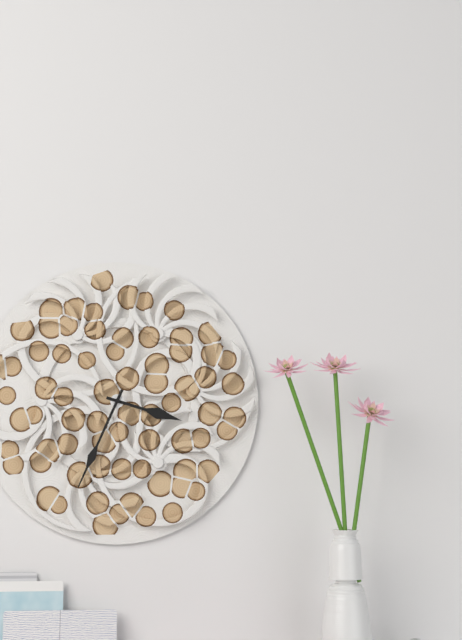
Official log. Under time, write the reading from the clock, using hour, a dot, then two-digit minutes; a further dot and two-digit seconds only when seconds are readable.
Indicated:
3.34
